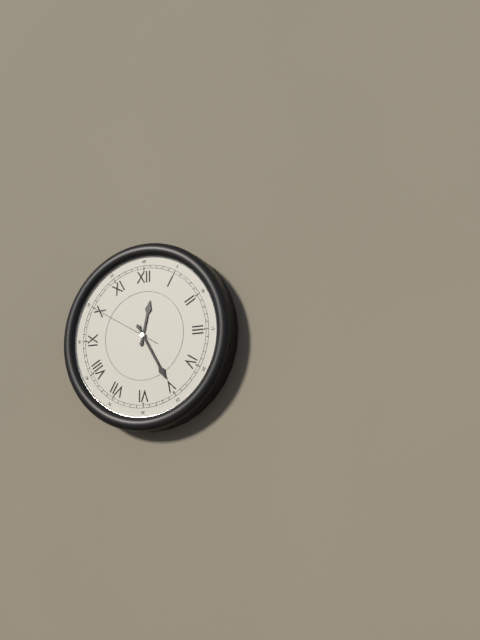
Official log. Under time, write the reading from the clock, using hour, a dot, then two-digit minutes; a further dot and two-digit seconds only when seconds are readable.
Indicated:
12.25.50
